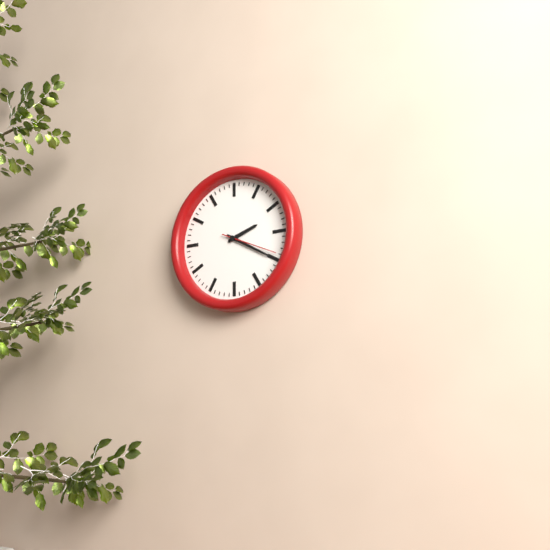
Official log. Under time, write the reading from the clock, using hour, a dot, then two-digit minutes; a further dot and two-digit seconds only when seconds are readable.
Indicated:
2.20
